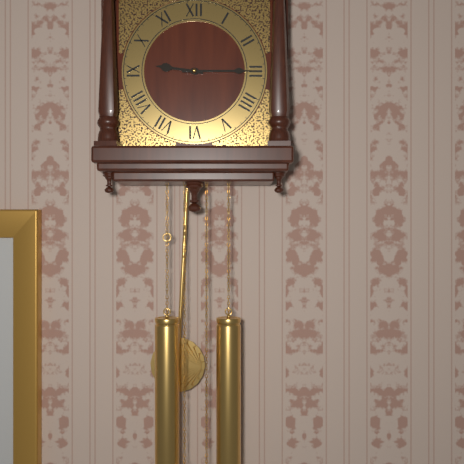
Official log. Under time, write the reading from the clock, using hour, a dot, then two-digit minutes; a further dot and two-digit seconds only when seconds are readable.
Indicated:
9.15
